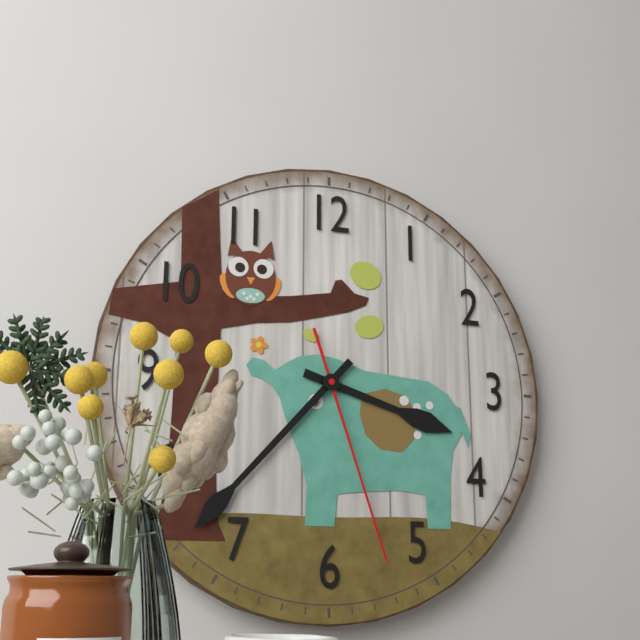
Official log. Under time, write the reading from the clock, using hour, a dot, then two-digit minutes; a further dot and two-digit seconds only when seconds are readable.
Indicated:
3.37.27
